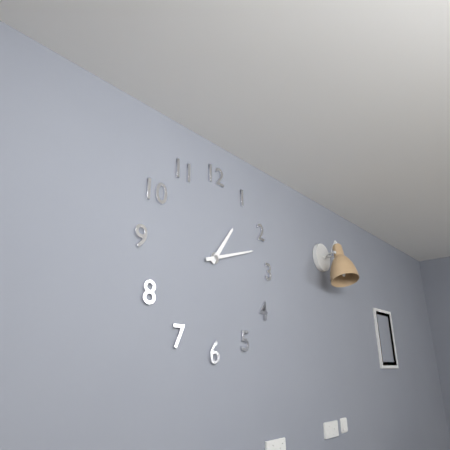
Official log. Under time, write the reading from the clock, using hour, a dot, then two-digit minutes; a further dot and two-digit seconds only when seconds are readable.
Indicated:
1.12
